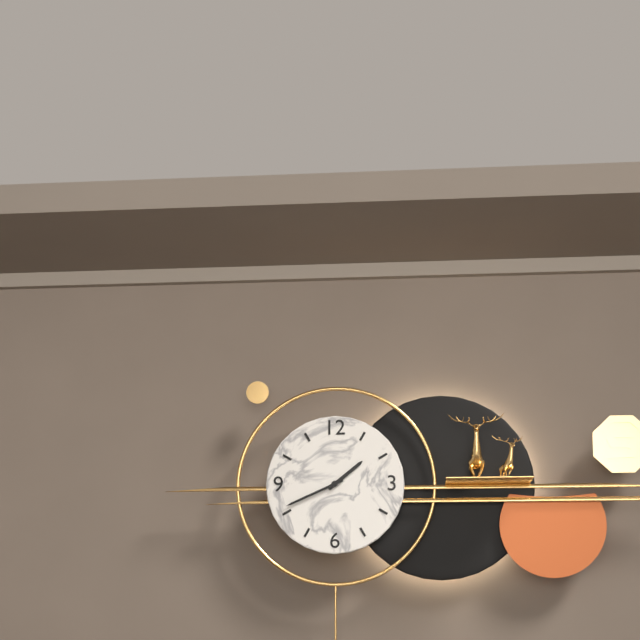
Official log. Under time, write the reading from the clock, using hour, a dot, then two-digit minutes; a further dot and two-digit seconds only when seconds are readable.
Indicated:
1.41
